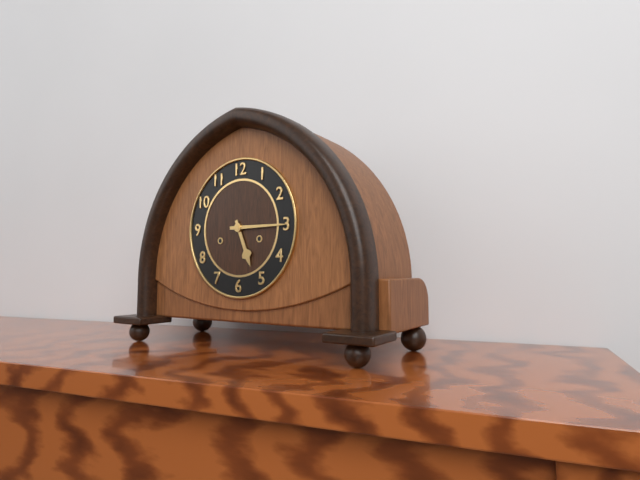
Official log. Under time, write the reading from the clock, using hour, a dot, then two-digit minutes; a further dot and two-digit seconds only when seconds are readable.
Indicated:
5.15
